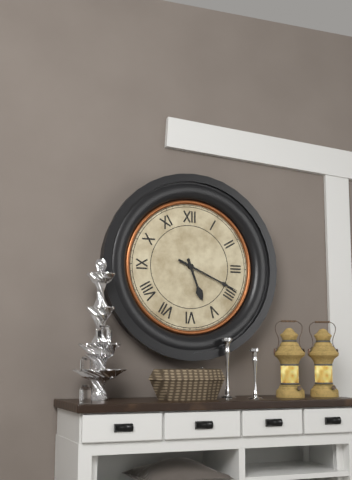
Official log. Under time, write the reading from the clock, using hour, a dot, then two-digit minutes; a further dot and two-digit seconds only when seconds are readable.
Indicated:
5.19
